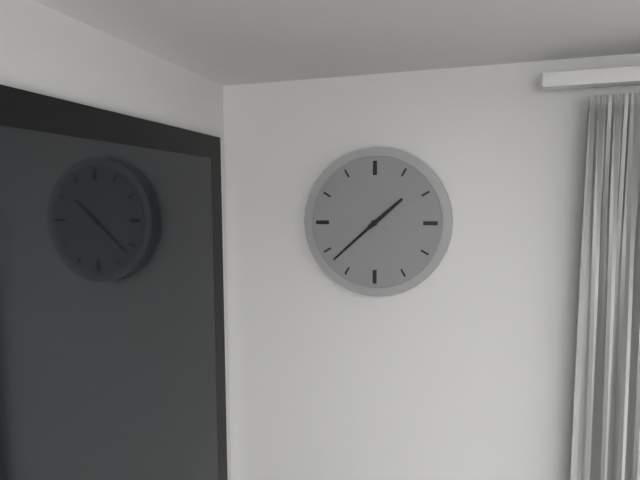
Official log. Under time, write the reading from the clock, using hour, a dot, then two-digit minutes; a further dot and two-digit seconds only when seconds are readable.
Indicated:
1.38
